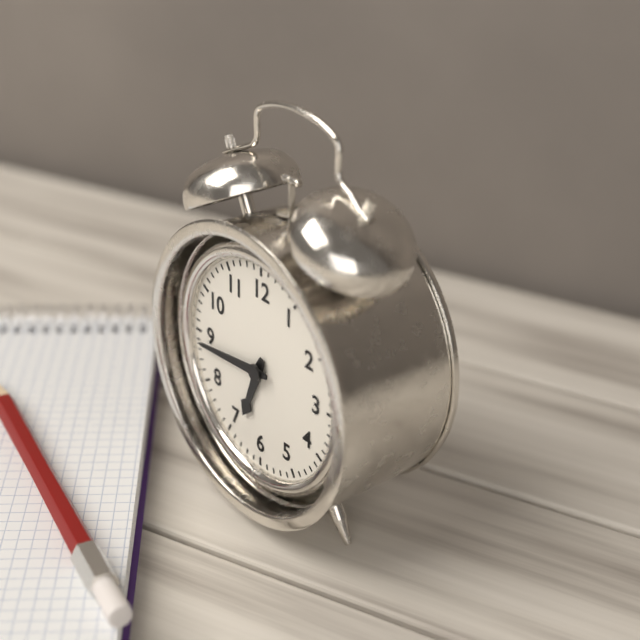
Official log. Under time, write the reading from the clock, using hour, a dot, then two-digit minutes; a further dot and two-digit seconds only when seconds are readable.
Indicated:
6.44
